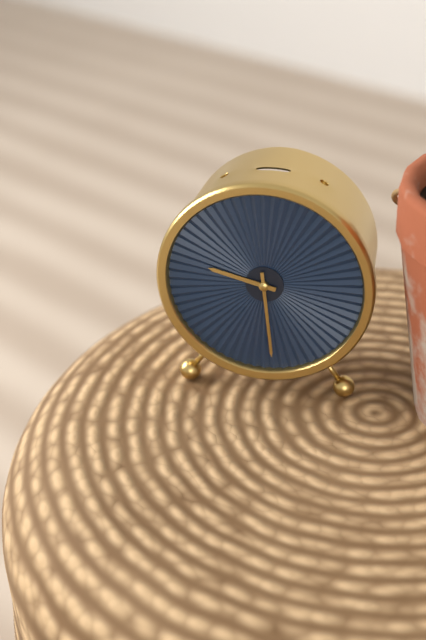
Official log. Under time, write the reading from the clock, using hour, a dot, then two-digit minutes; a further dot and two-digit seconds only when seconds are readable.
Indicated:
9.29
